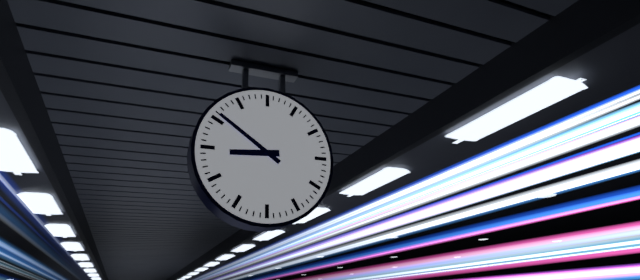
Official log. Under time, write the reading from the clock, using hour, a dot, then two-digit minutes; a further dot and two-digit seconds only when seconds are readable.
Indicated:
8.51
